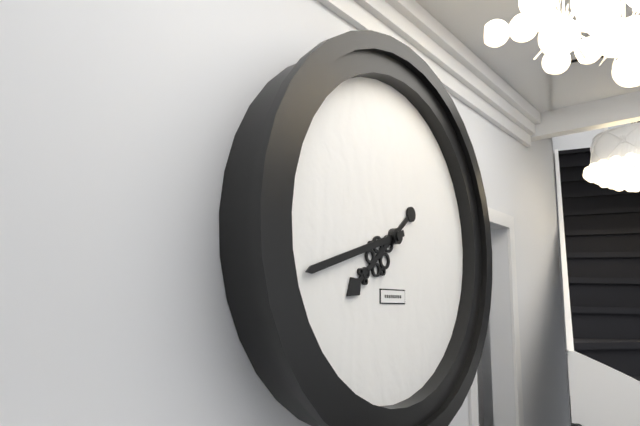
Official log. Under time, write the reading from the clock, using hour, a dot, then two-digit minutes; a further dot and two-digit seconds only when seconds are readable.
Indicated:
7.42
